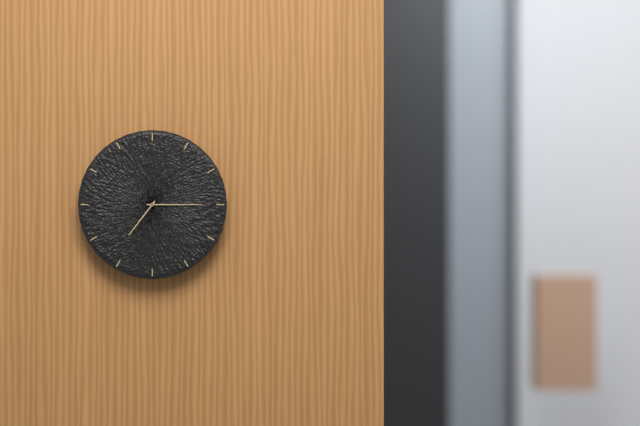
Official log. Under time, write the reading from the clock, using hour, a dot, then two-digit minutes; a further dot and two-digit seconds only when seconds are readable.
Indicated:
7.15
